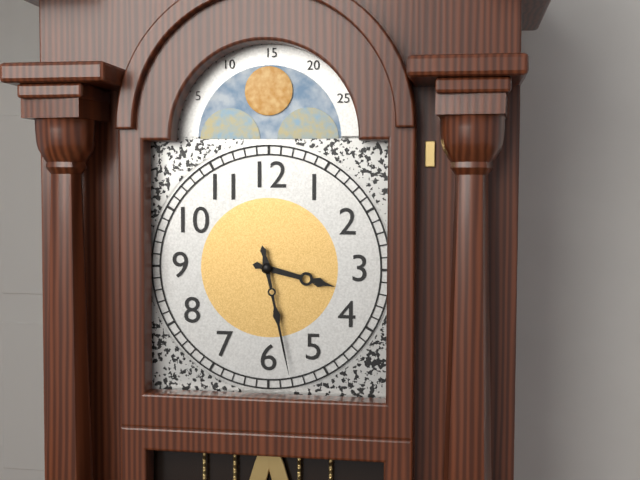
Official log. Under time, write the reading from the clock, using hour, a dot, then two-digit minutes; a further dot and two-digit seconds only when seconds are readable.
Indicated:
3.28
